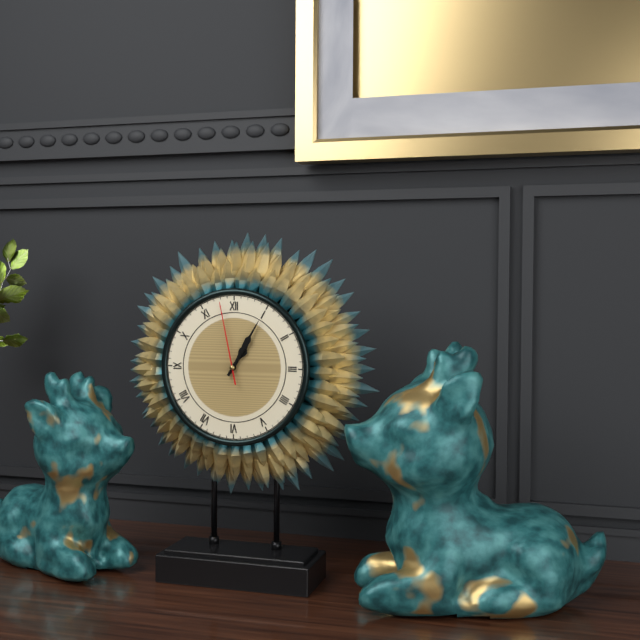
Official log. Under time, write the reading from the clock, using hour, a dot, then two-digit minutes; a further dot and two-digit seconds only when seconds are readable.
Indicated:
1.05.58
